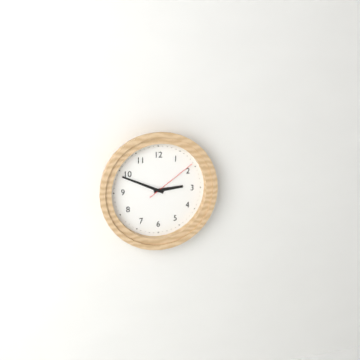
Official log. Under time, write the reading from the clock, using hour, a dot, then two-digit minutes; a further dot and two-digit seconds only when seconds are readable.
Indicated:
2.49.09
